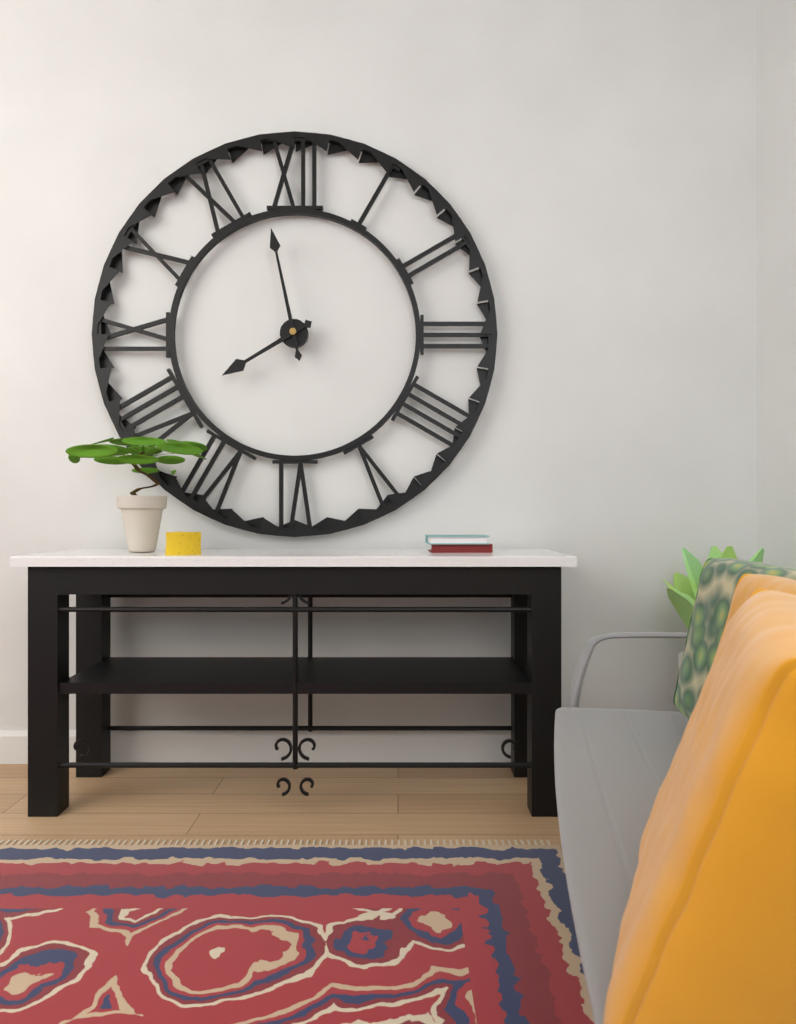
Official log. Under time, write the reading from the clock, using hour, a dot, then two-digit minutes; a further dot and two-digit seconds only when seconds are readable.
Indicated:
7.58
